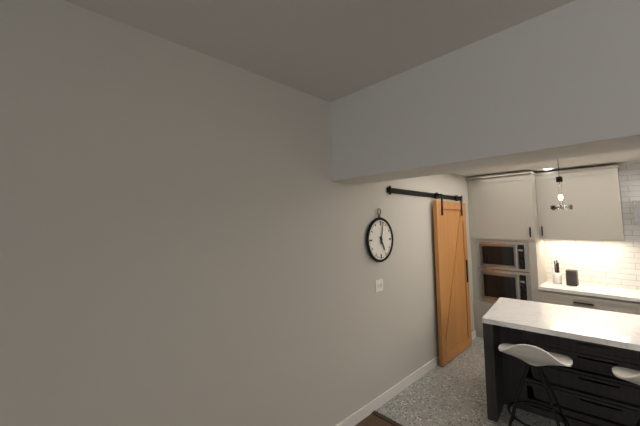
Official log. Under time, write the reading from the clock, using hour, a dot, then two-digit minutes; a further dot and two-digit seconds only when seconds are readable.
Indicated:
5.02
